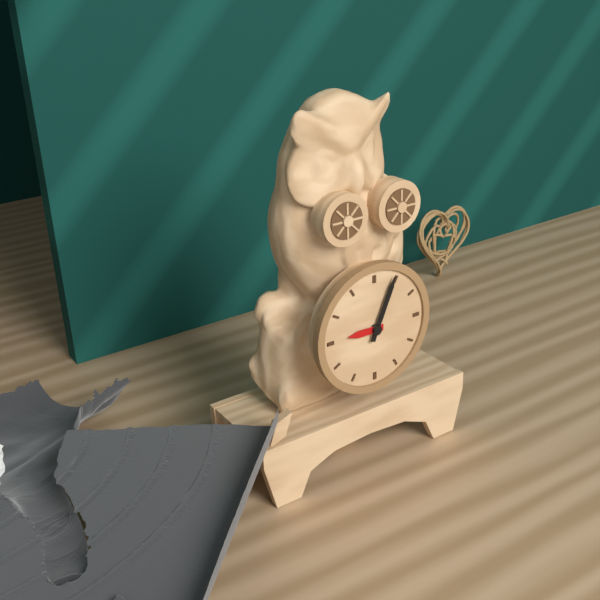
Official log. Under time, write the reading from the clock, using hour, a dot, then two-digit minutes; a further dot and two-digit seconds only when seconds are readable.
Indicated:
9.04
